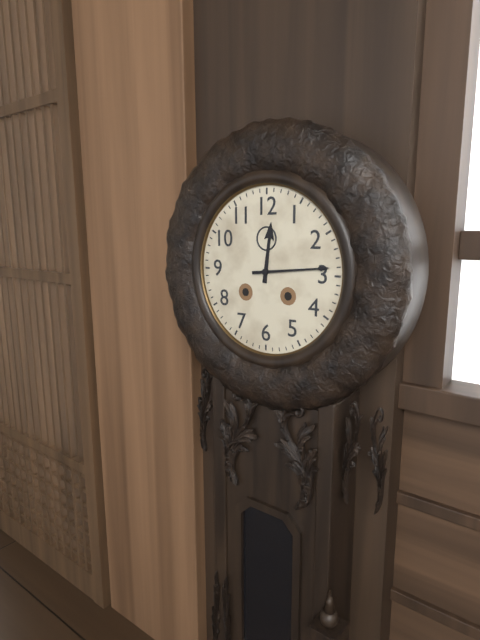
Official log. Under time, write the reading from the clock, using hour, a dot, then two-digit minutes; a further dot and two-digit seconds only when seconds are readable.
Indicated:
12.14
